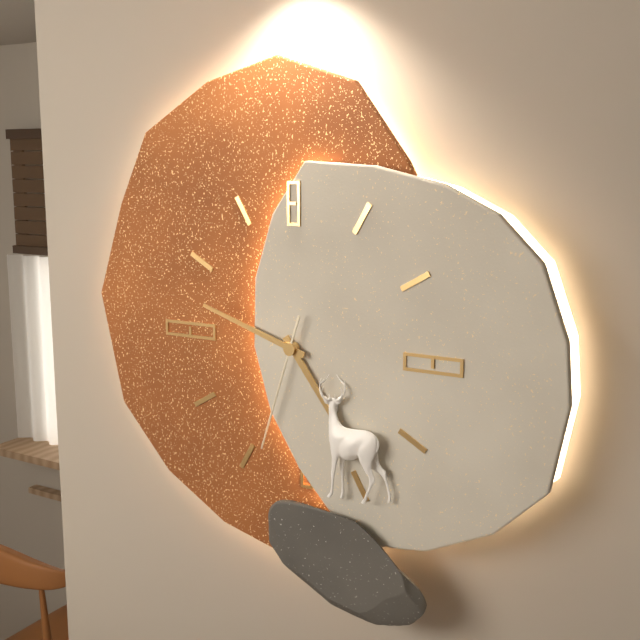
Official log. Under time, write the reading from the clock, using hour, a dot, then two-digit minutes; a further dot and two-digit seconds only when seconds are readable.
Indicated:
4.48.33
